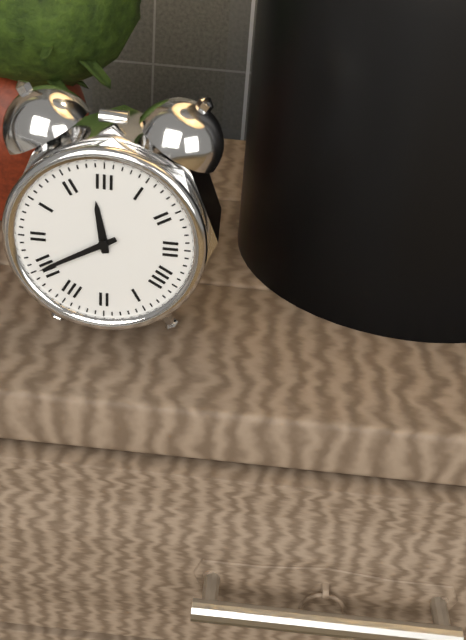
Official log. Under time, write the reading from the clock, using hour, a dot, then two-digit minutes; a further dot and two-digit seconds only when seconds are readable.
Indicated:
11.40
